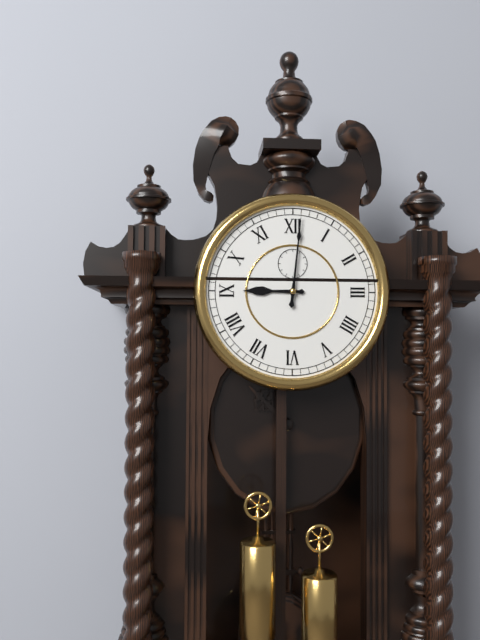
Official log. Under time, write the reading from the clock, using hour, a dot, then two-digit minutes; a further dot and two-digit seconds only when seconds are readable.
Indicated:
9.01
